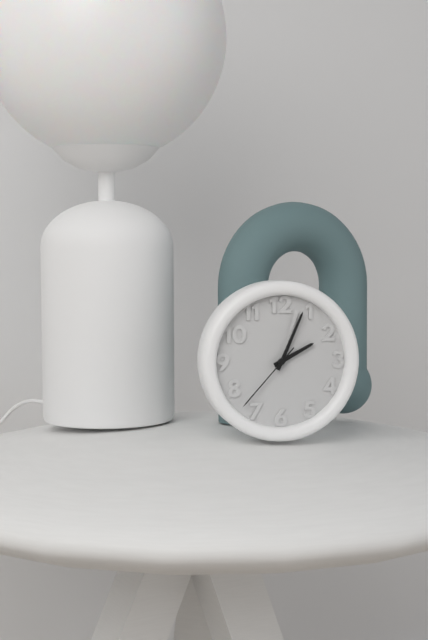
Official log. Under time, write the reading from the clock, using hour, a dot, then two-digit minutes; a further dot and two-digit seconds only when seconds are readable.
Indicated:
2.04.37
